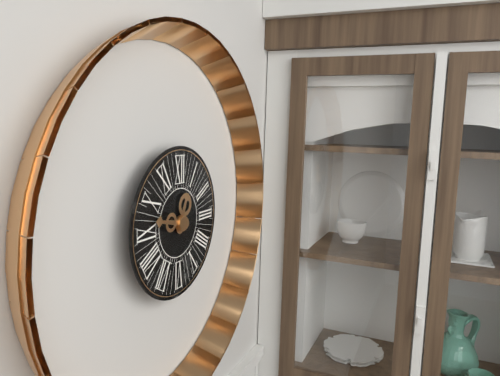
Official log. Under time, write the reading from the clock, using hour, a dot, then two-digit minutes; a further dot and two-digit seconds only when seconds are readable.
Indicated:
12.47
